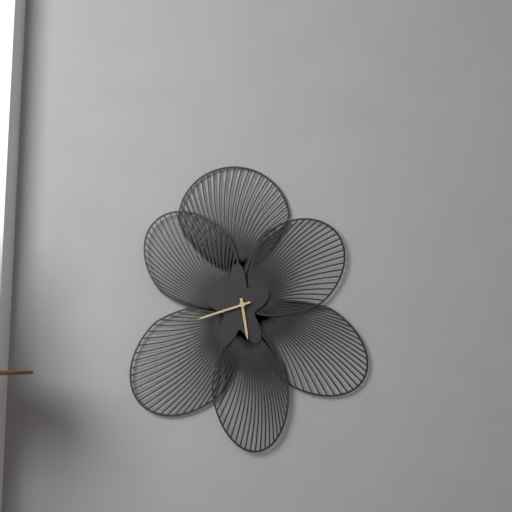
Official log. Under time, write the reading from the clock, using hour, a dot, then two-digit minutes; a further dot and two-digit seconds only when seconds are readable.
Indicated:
5.42
